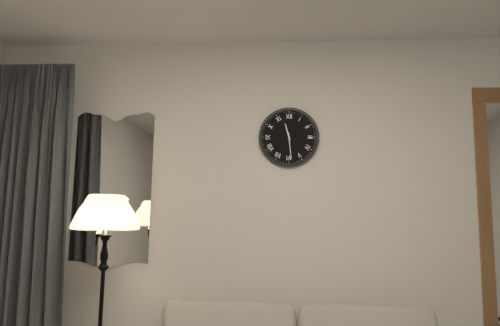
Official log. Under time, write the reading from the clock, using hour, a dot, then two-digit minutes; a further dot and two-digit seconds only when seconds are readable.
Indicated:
11.29
